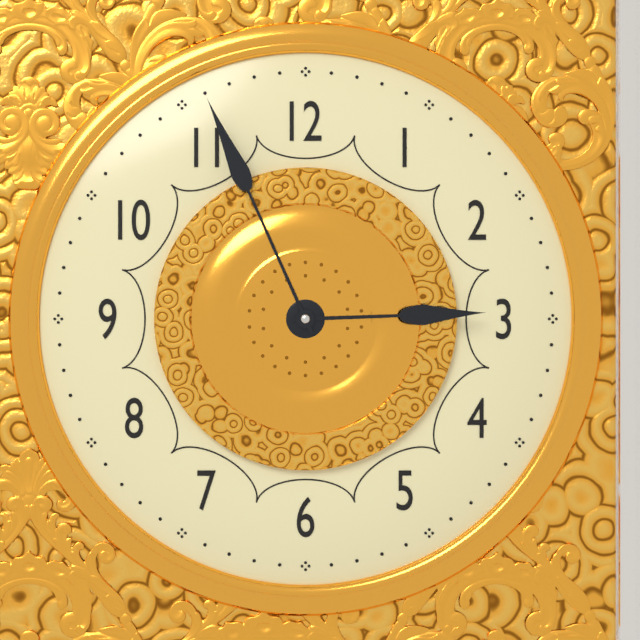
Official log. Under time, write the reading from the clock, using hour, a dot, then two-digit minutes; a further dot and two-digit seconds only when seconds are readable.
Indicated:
2.56
